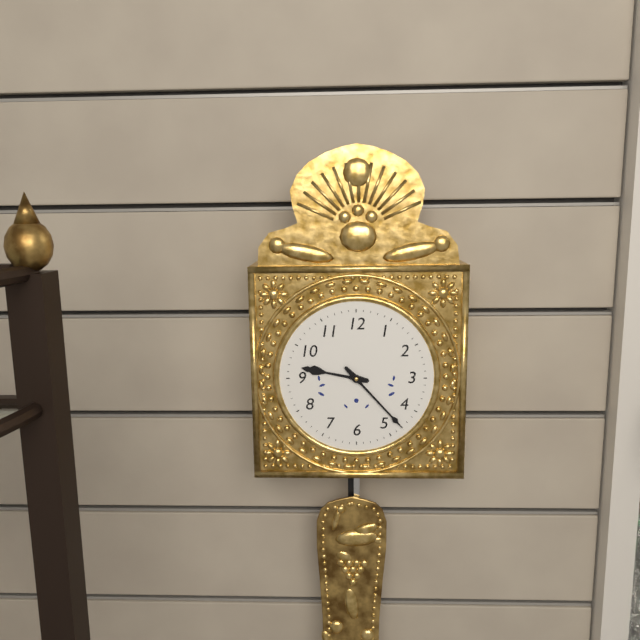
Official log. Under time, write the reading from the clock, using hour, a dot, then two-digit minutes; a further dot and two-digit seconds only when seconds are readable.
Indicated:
9.23
